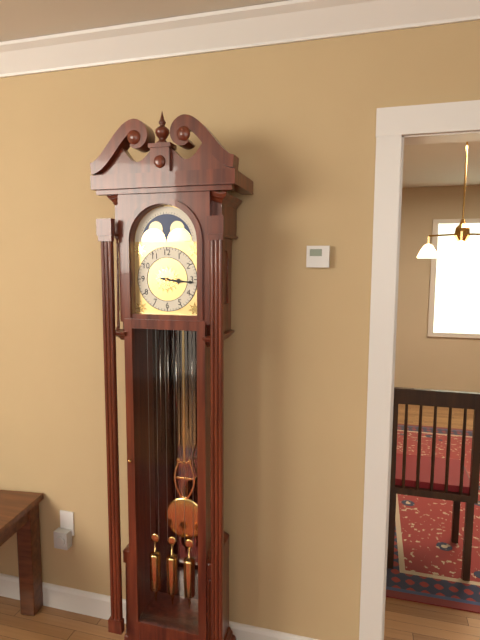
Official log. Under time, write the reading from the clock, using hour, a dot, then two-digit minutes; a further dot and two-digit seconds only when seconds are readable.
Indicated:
3.16
